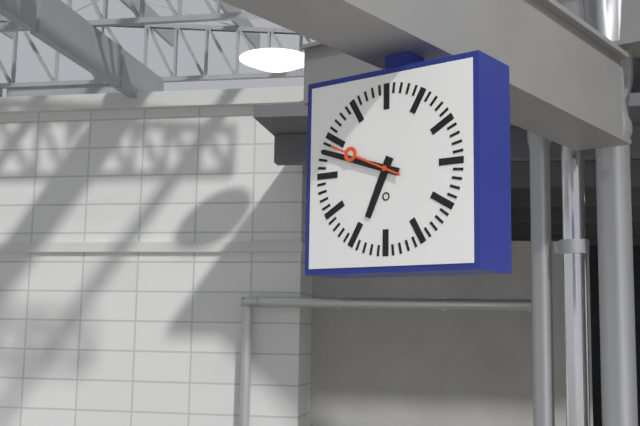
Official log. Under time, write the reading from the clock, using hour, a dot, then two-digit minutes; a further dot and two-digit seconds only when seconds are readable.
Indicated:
6.48.49
